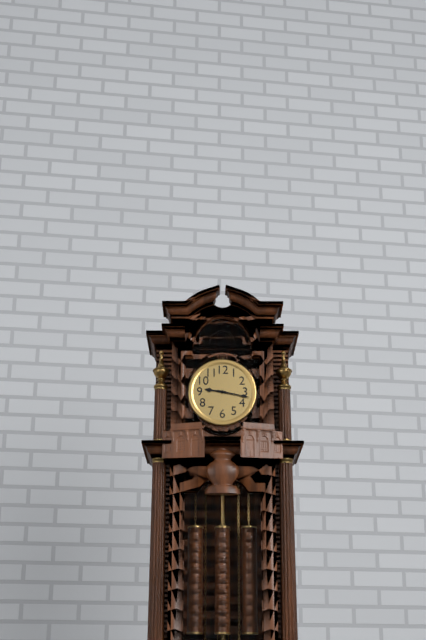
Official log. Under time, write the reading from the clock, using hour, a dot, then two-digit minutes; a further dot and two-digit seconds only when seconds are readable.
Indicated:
9.17
